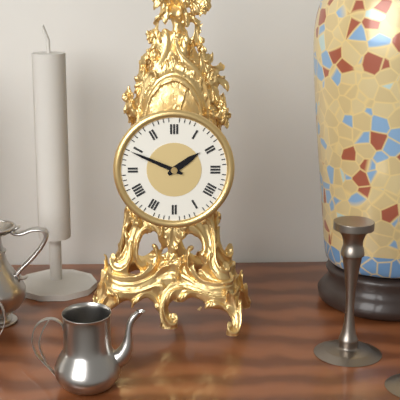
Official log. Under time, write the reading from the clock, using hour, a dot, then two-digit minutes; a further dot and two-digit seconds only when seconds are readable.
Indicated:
1.49
